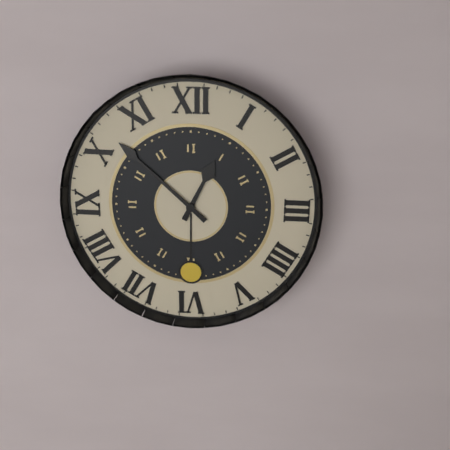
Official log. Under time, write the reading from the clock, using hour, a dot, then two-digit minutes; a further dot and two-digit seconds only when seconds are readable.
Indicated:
12.52
